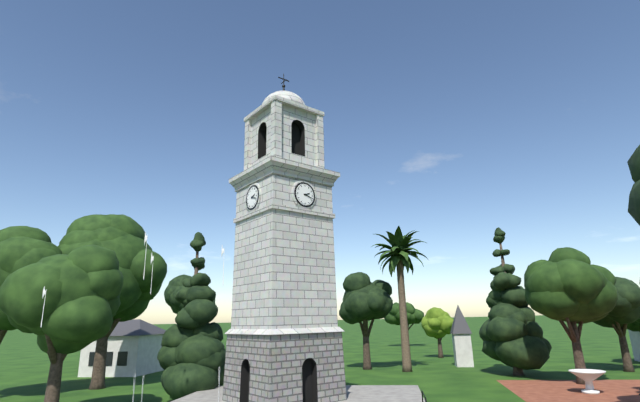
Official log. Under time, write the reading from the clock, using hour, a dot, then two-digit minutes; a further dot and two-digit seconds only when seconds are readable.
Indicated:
2.18
